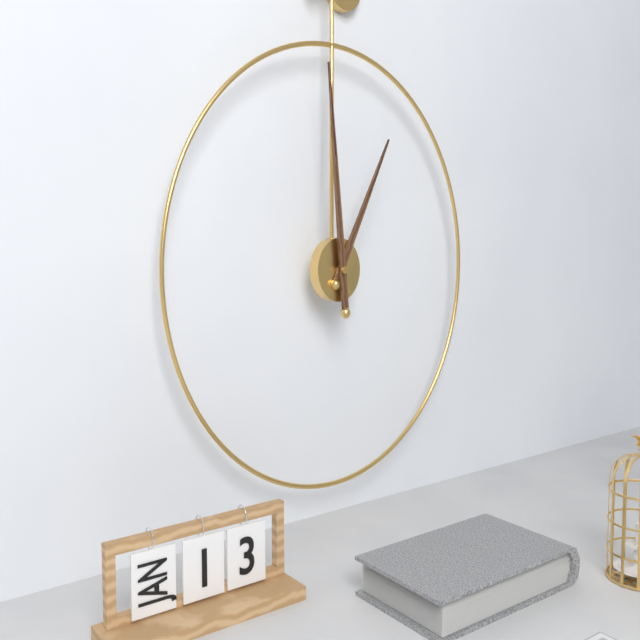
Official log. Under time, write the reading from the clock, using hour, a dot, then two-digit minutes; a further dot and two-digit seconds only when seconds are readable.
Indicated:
12.59
